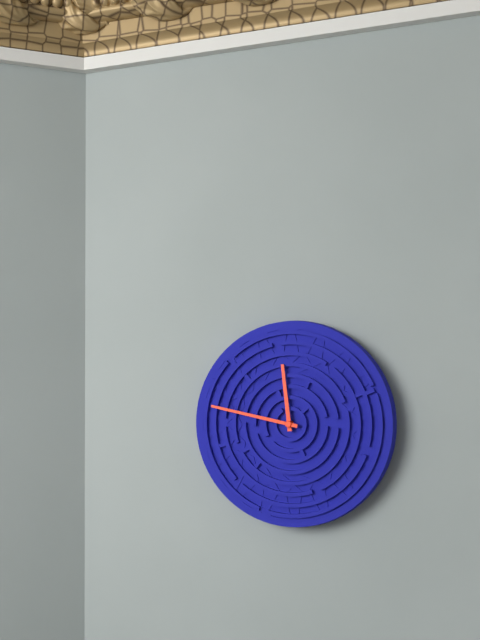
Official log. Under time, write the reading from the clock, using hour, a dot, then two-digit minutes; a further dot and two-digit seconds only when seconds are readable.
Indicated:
11.47
